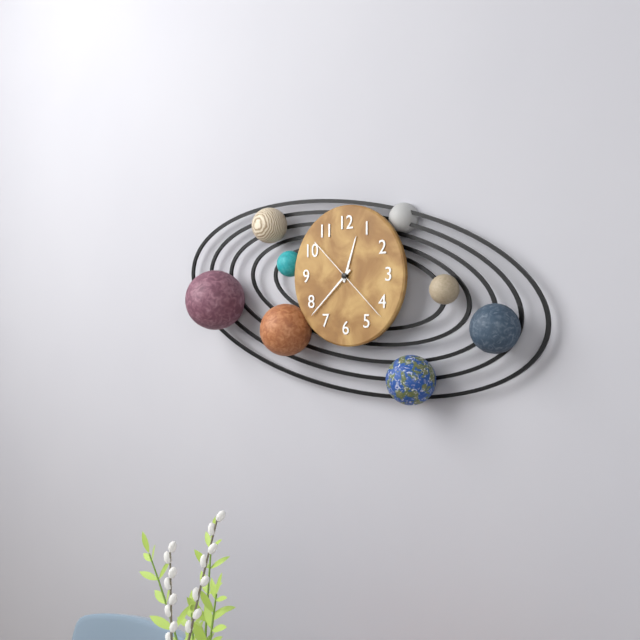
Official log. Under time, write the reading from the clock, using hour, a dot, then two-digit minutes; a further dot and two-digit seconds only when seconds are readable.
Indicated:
12.38.22
